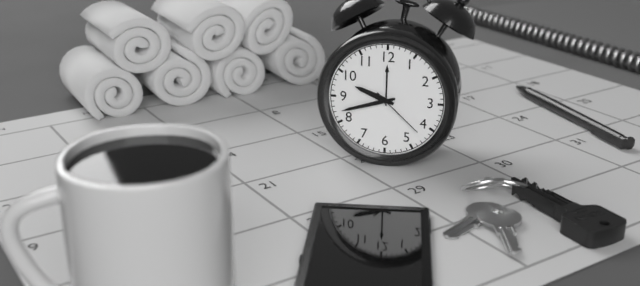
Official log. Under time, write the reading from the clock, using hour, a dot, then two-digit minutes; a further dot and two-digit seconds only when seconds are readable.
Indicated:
9.42.22
